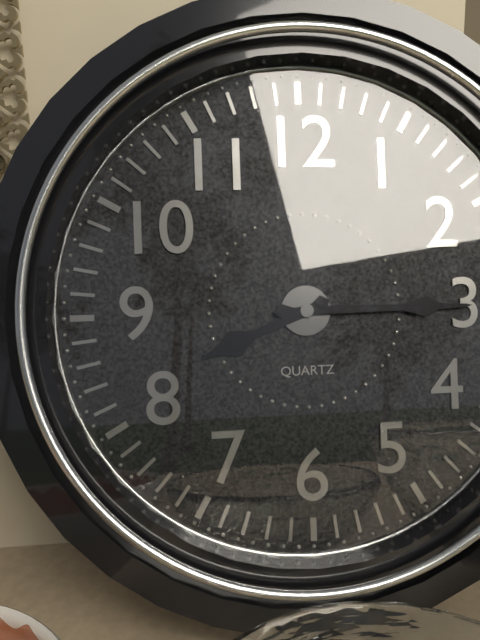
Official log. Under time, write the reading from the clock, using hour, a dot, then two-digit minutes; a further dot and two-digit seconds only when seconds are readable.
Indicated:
8.15
